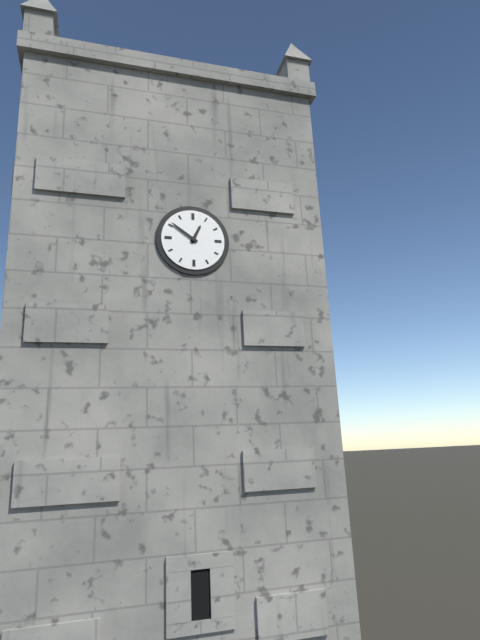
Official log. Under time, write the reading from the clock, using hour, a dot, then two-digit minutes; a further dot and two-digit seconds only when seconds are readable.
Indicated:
12.51
